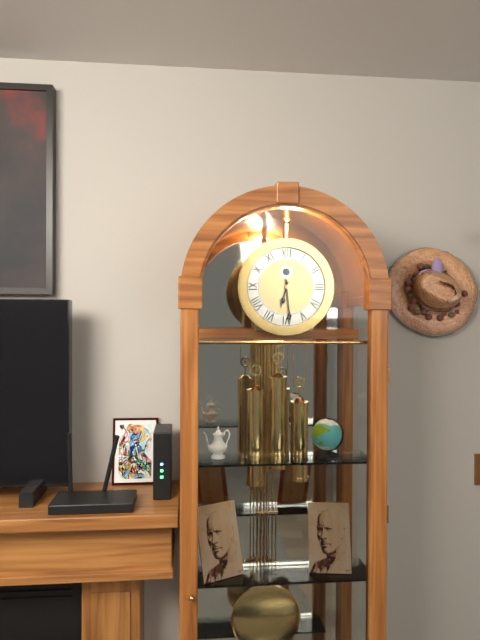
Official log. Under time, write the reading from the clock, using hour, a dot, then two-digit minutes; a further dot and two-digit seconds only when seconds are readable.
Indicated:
6.29
